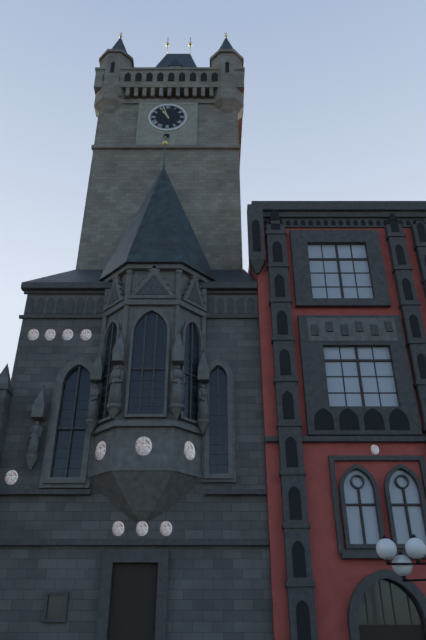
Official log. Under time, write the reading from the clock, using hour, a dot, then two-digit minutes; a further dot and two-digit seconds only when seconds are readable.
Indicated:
10.57
